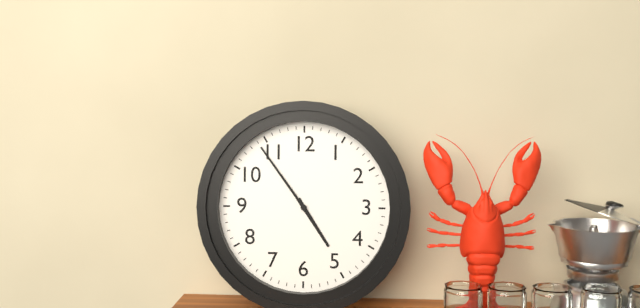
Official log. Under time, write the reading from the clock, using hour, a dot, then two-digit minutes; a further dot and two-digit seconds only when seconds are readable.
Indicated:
4.54
